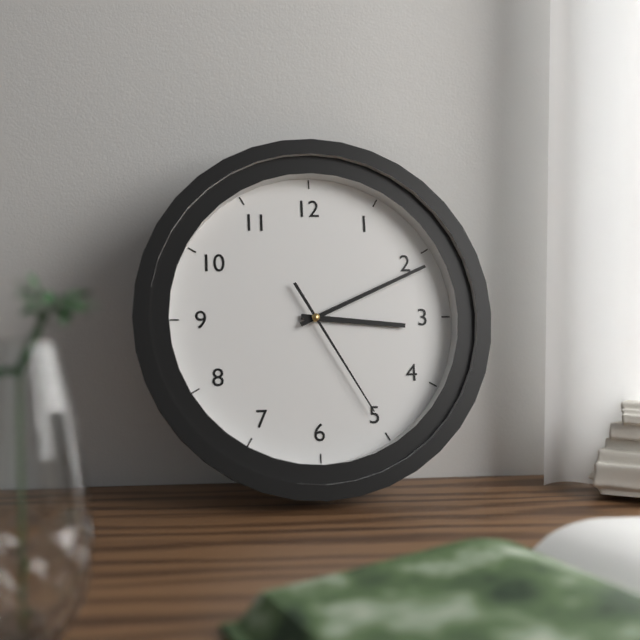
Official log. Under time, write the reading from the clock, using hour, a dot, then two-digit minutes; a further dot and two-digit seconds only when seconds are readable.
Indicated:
3.11.25
